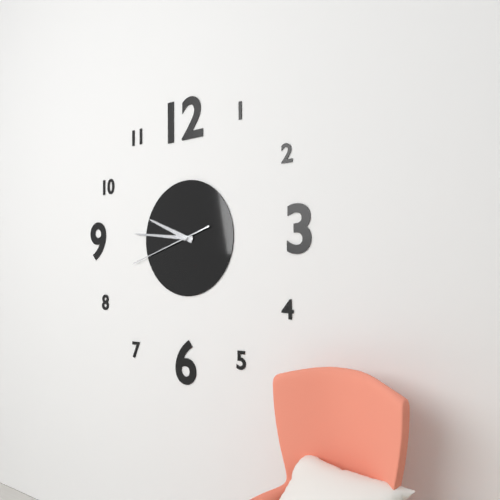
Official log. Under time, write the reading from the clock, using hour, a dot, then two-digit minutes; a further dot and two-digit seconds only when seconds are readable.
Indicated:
9.46.42
